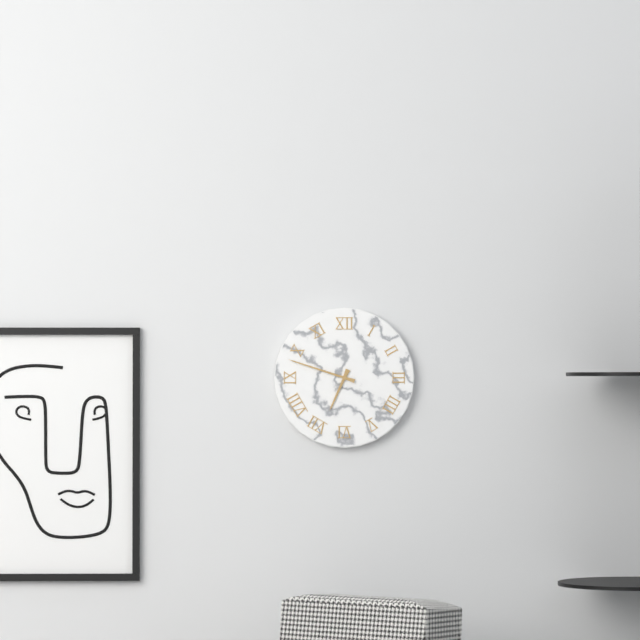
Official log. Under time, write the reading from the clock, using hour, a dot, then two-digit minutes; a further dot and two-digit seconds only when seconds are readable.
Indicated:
6.48
